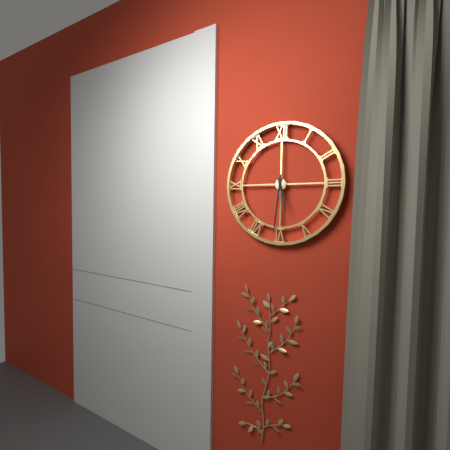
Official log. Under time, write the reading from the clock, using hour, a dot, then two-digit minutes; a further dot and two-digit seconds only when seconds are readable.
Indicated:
5.31
